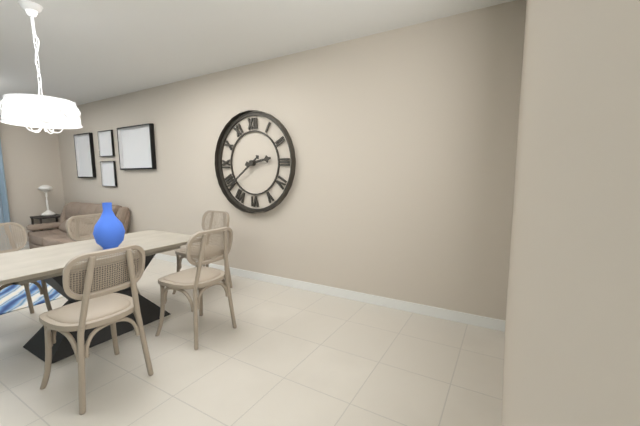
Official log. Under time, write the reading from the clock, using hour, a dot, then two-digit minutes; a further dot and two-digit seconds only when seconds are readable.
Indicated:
2.39
